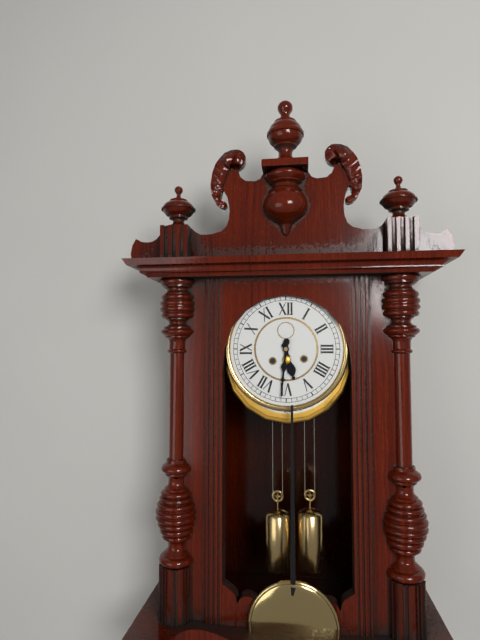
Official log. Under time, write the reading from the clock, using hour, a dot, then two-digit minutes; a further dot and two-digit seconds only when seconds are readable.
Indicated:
5.31
